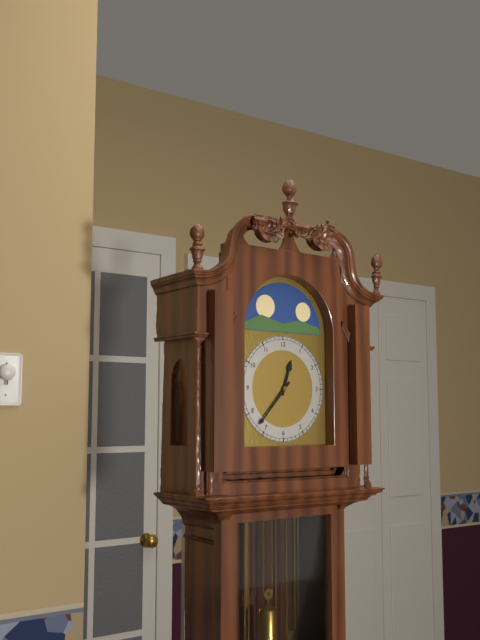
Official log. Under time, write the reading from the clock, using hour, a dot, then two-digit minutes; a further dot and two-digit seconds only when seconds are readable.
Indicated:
12.37
